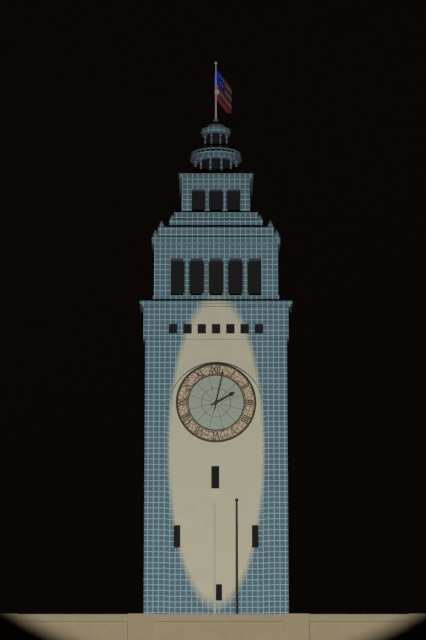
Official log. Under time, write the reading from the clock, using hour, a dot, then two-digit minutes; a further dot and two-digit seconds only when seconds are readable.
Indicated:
2.02
